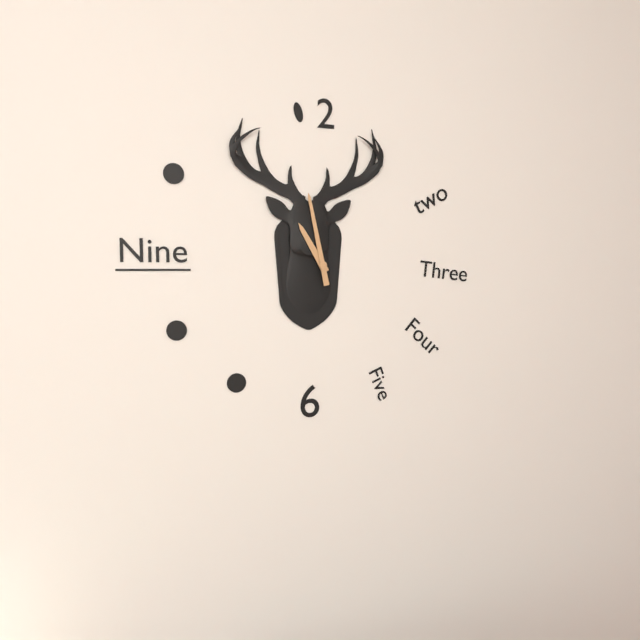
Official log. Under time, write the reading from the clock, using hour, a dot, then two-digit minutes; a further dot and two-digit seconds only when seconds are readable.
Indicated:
10.58
